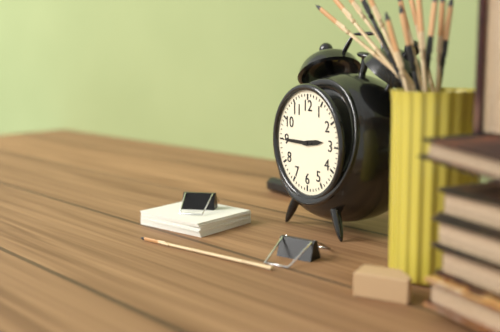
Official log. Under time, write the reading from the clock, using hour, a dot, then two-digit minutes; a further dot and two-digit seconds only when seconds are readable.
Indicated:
2.45
